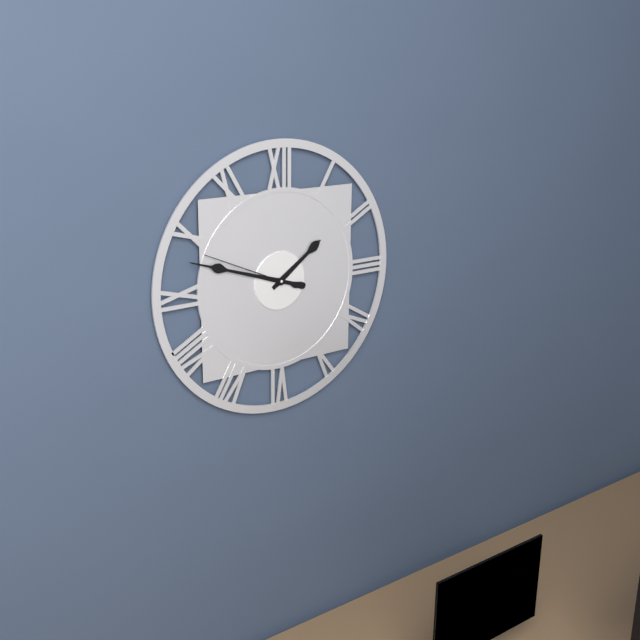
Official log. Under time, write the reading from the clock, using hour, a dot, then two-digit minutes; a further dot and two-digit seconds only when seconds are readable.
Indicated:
1.48.49
